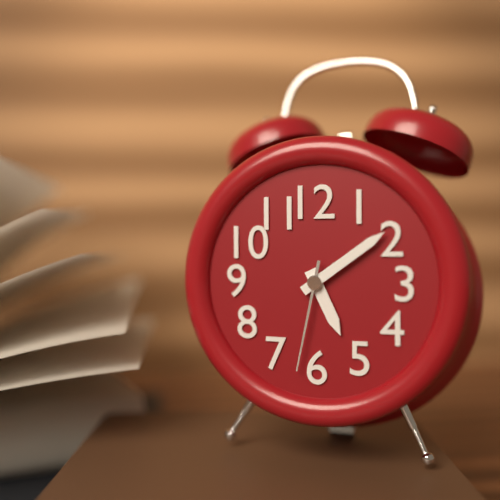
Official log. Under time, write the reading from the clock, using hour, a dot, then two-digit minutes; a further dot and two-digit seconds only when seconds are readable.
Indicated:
5.09.32
